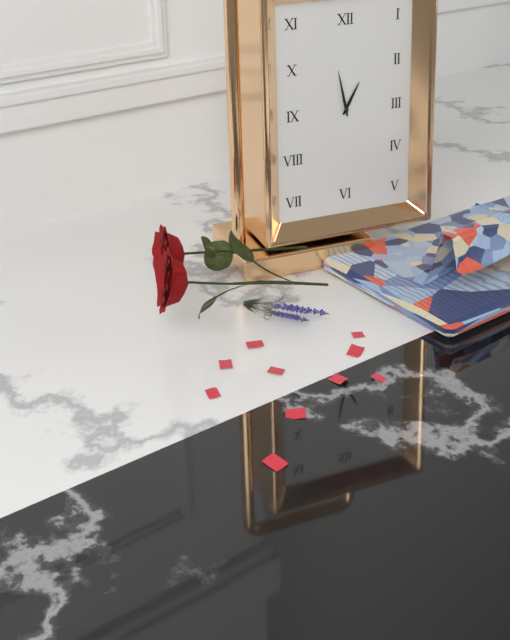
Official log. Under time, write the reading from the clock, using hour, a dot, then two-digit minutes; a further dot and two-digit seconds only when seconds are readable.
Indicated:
12.58
